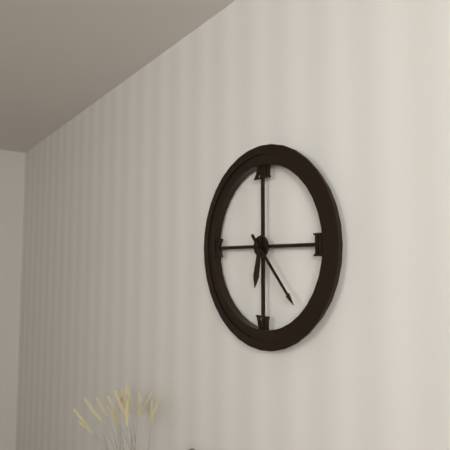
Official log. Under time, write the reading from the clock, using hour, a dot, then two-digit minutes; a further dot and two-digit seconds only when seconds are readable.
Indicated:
6.23
